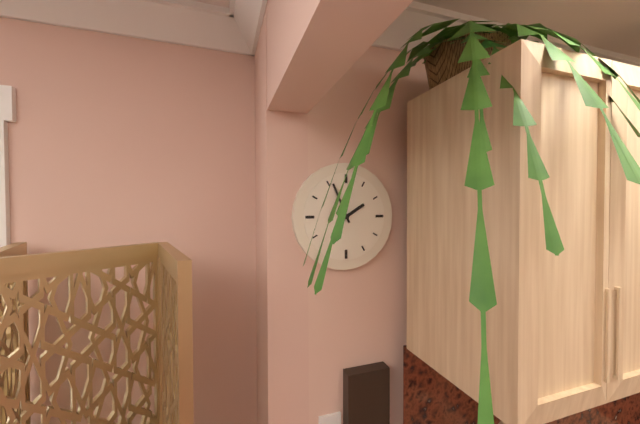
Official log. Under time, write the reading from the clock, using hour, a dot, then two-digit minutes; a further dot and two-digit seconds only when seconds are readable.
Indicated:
1.56
